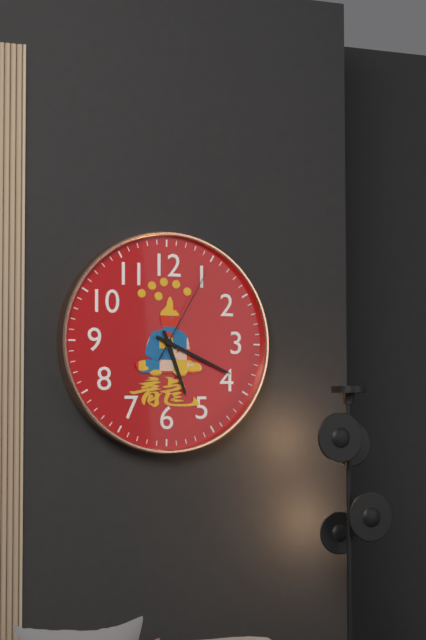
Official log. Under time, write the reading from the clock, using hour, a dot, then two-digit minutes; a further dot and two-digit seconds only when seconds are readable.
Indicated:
5.19.05
